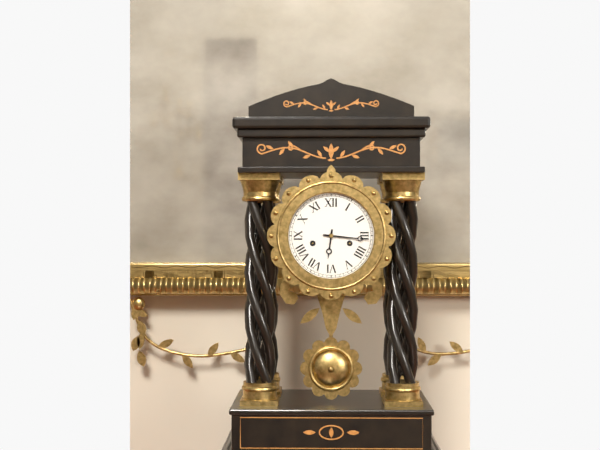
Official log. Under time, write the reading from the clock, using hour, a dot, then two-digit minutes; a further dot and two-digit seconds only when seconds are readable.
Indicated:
6.16
